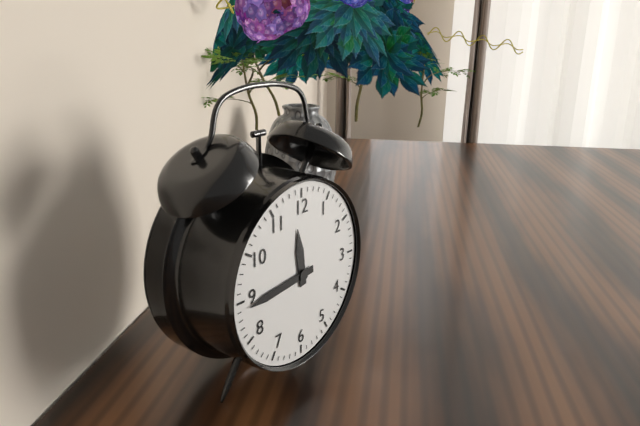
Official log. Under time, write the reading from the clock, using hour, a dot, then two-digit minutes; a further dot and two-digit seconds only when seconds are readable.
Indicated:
11.44
